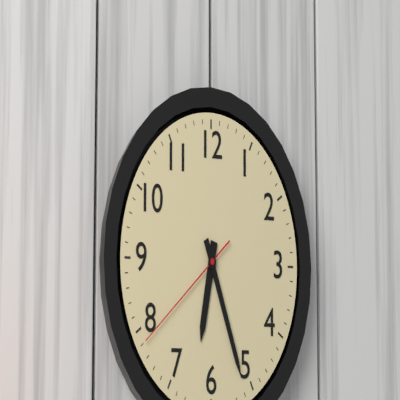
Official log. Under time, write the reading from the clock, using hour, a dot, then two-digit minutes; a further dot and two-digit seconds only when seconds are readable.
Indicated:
6.26.39
